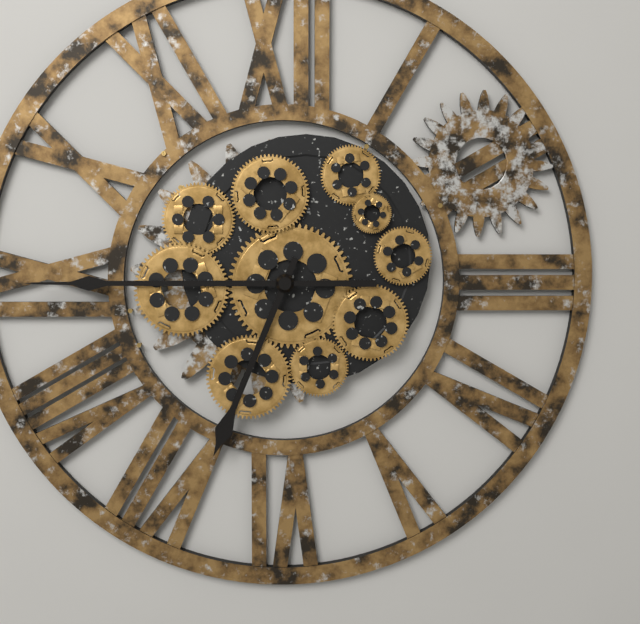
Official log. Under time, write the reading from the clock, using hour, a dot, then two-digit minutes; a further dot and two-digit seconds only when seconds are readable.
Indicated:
6.45
